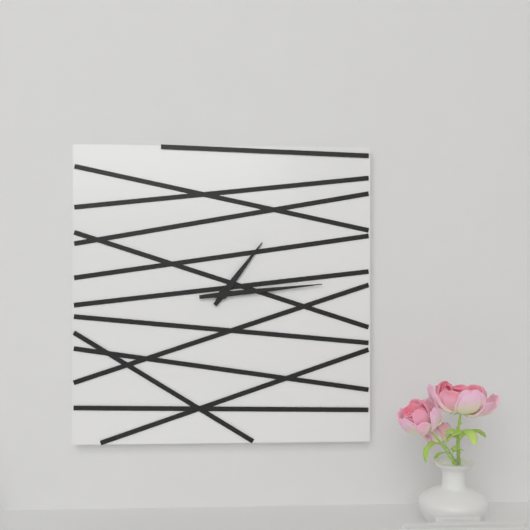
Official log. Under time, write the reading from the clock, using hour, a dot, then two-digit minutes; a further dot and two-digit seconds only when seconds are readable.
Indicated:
1.14
